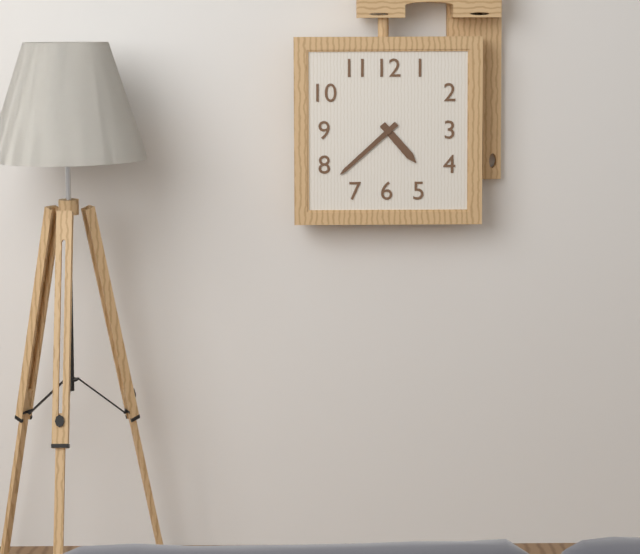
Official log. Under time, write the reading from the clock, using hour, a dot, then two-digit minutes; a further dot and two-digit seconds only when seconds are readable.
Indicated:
4.38
